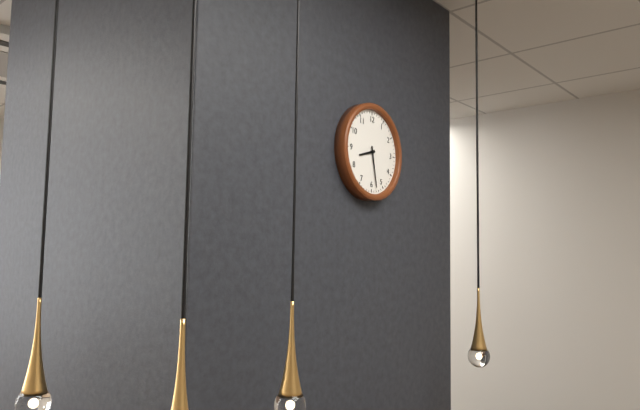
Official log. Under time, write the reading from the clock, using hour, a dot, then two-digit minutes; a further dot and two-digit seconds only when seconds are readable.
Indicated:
8.28
